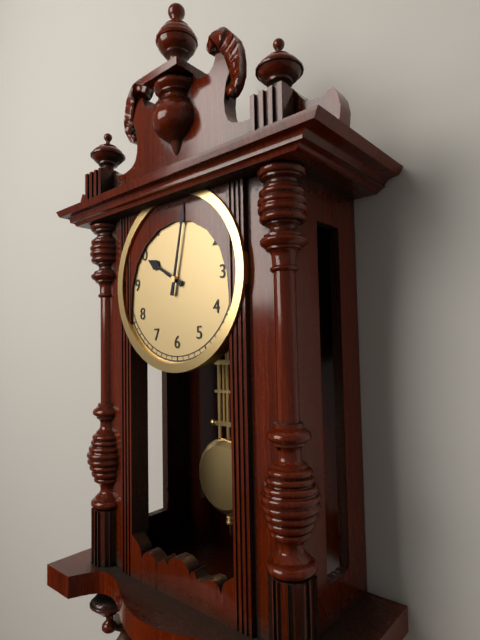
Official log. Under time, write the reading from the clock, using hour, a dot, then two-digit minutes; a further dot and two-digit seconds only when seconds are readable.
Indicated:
10.02
